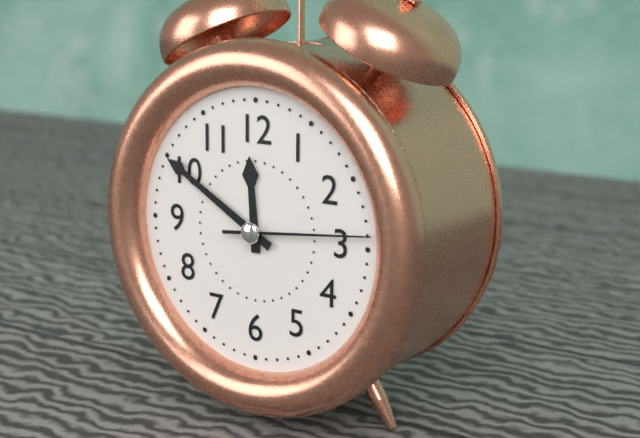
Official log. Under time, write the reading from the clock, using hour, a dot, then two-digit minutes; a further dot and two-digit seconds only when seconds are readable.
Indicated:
11.50.14
